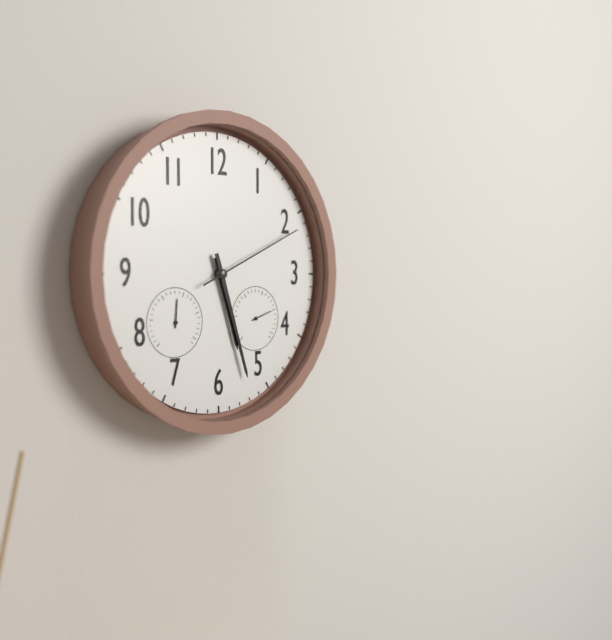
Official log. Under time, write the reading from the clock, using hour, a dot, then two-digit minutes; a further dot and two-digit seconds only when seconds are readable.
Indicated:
5.27.11
